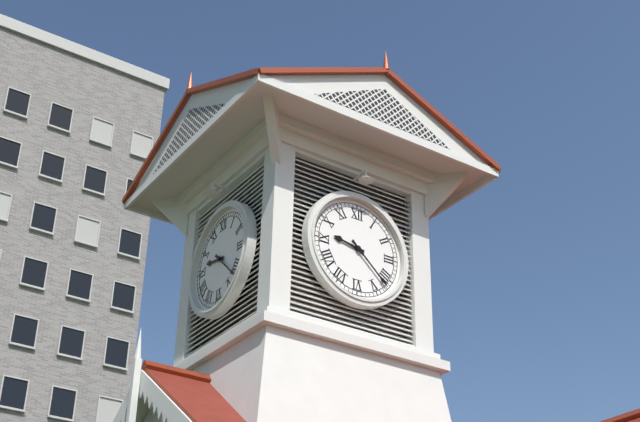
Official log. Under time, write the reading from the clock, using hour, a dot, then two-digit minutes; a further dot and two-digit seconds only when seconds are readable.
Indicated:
9.22
